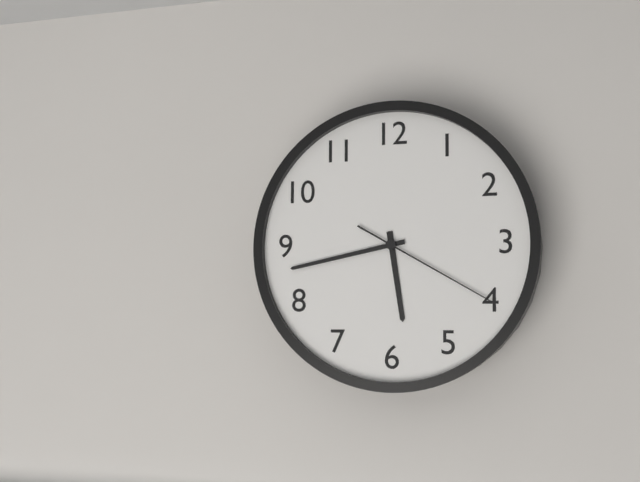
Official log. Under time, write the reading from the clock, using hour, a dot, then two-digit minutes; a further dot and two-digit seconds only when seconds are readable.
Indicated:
5.43.20
